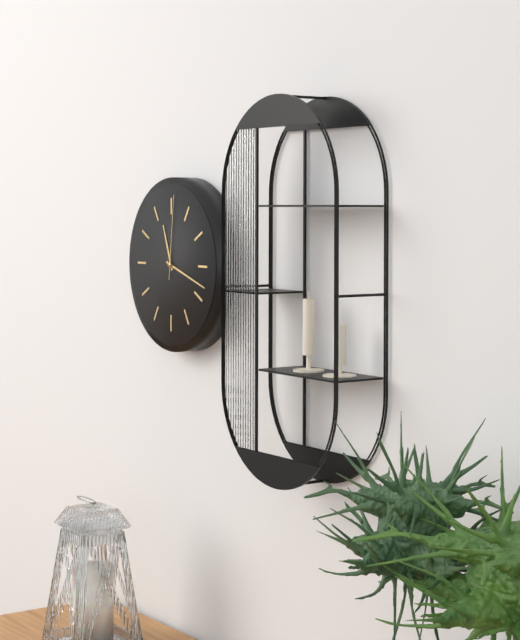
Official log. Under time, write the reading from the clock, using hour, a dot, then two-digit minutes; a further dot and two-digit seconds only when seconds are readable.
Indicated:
11.18.01
